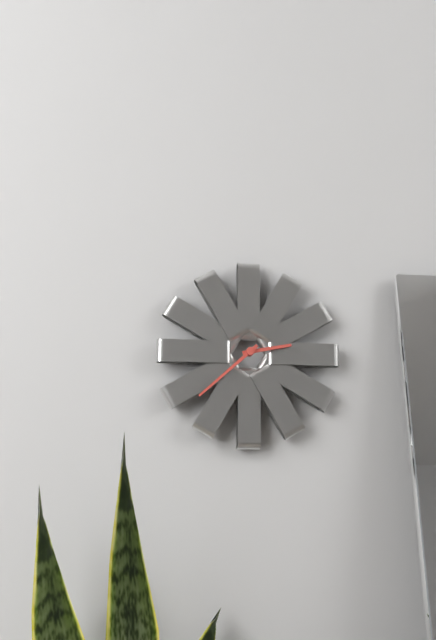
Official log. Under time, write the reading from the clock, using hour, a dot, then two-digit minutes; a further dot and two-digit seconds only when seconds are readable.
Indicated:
2.38
